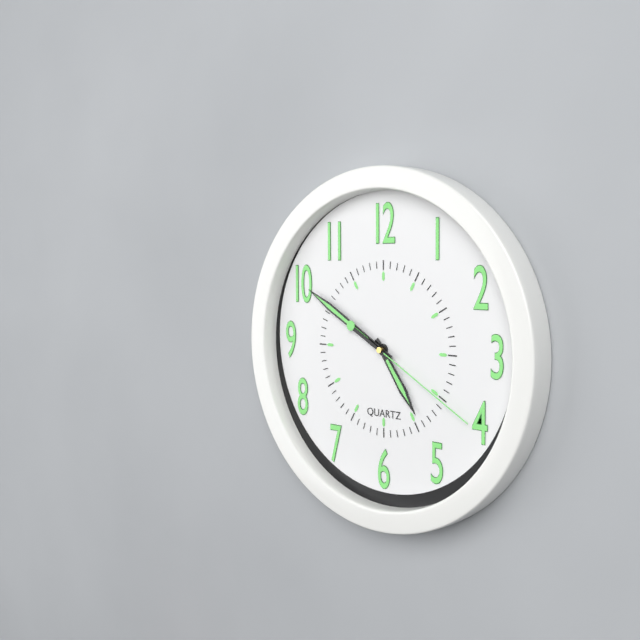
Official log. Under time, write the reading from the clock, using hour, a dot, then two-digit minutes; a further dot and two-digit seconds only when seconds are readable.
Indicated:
4.50.20
